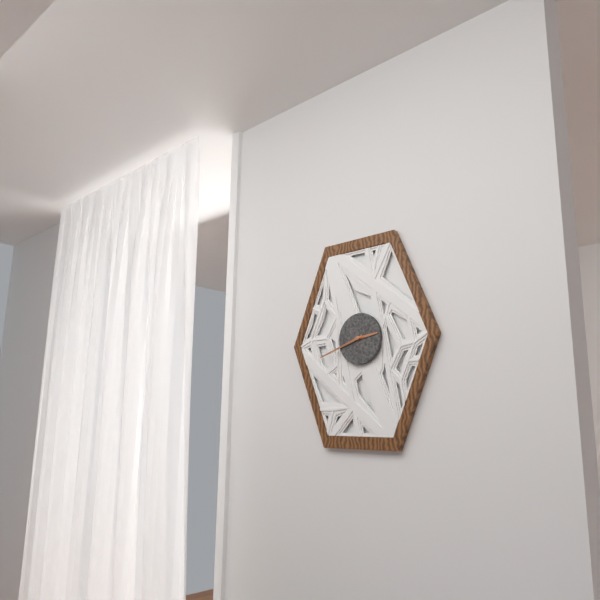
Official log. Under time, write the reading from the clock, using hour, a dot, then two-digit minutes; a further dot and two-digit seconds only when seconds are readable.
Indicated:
2.42
